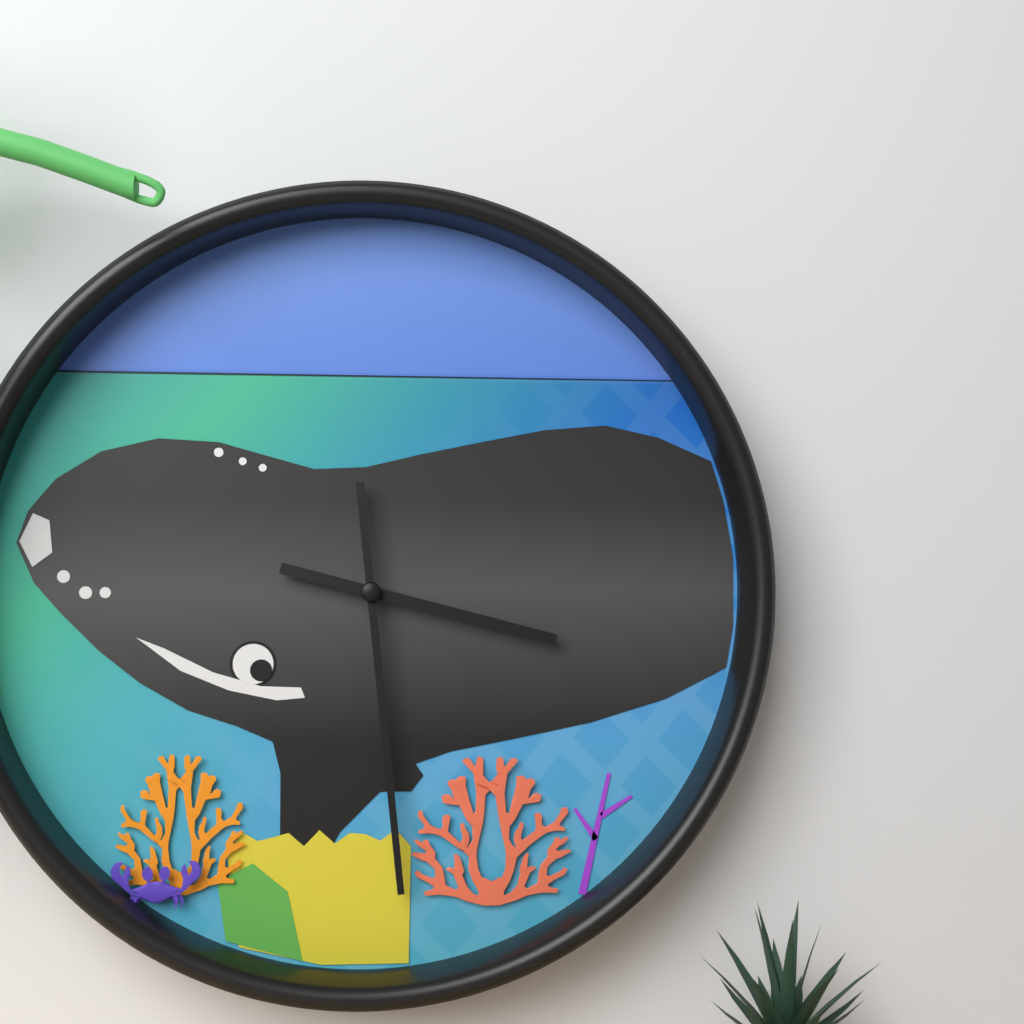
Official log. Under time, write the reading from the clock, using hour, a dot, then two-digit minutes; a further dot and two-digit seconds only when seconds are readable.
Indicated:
3.29
